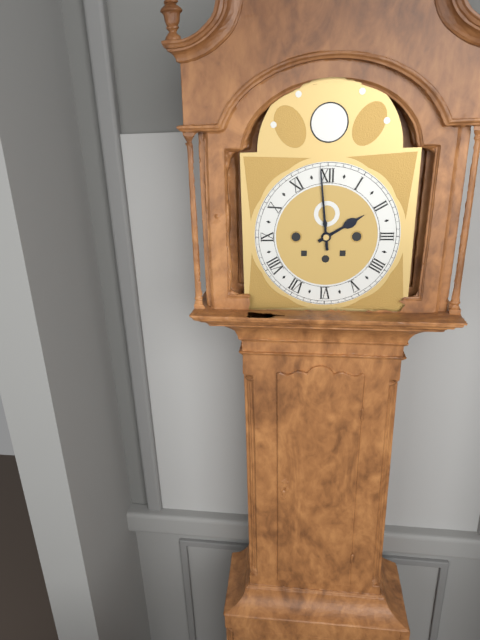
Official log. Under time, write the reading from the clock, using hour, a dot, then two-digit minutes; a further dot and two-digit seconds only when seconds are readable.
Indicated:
1.59
